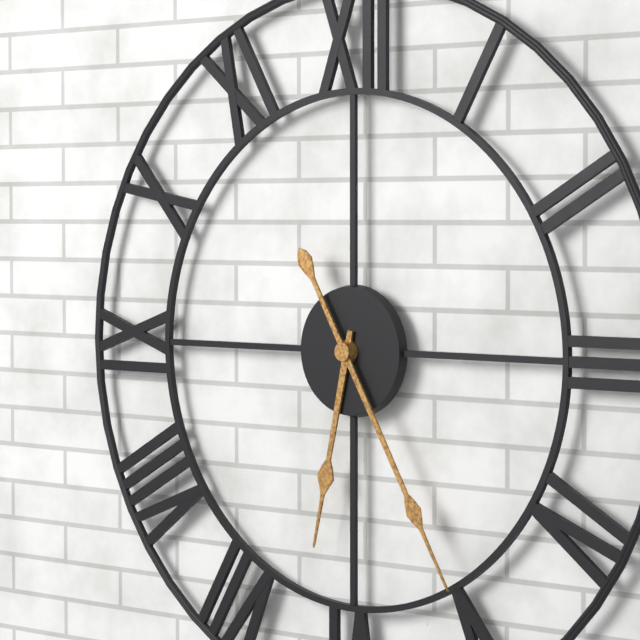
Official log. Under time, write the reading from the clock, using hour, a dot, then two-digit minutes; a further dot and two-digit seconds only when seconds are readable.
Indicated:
6.25
